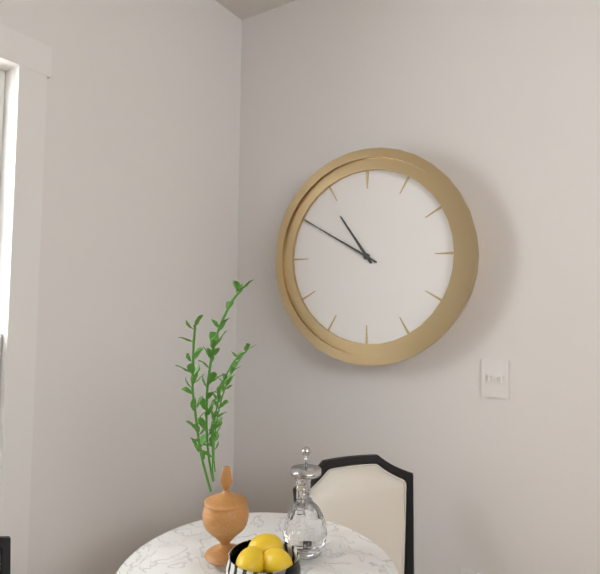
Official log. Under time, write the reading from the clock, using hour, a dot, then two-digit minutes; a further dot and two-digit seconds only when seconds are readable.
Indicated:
10.50
